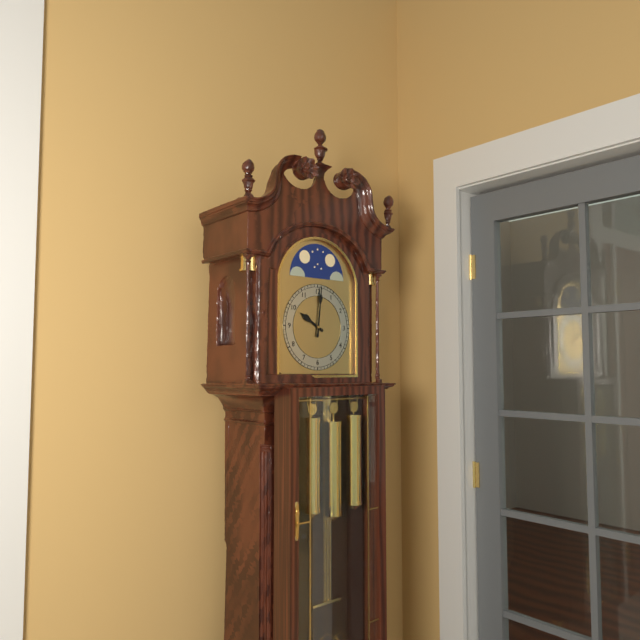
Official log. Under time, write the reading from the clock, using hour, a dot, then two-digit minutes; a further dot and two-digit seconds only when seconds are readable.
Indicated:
10.01
